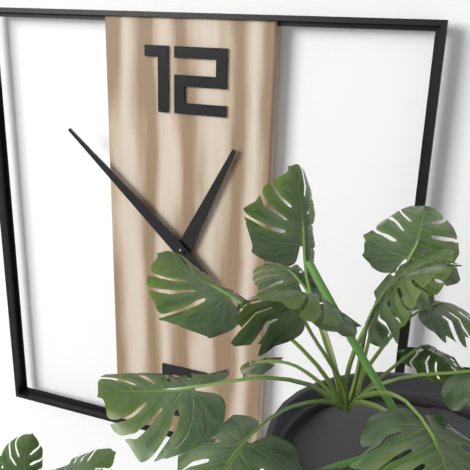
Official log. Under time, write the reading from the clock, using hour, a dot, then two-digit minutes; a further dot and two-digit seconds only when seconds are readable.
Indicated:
12.52
